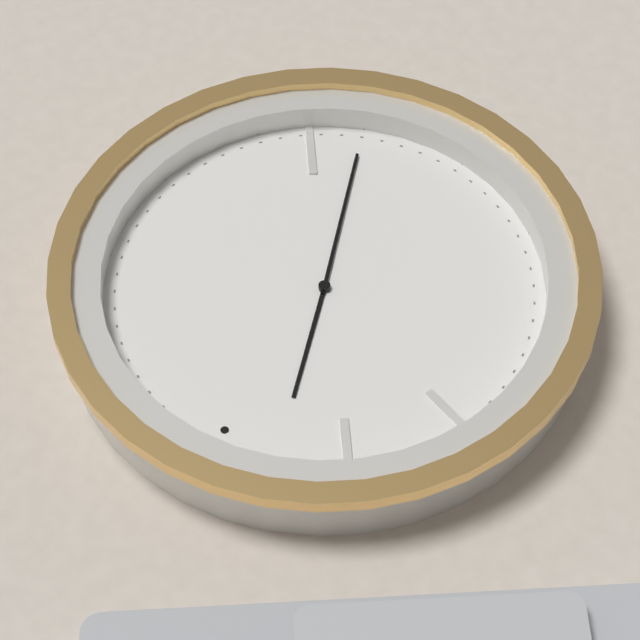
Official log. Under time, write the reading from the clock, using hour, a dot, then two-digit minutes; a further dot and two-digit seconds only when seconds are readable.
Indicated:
11.27
